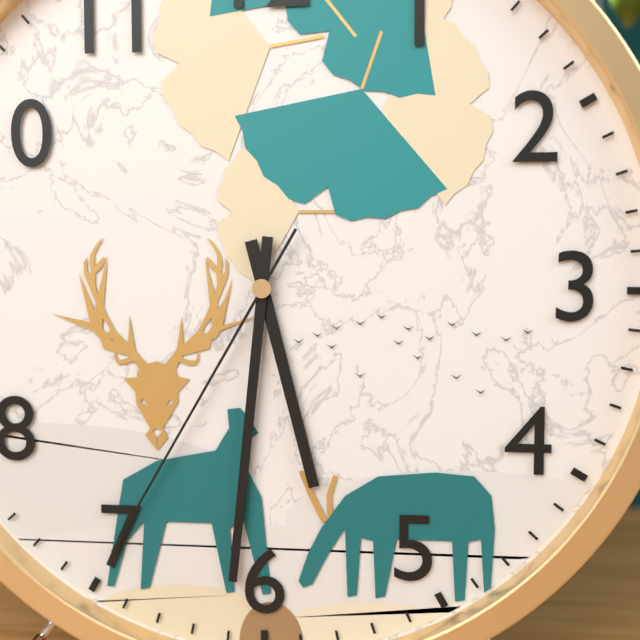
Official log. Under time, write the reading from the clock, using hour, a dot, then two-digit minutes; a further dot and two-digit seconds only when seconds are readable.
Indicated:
5.31.35
